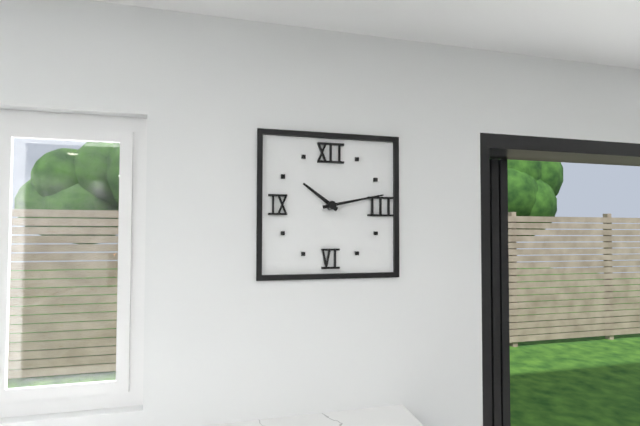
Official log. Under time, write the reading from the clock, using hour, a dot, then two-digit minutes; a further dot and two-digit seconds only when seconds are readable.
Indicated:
10.13
